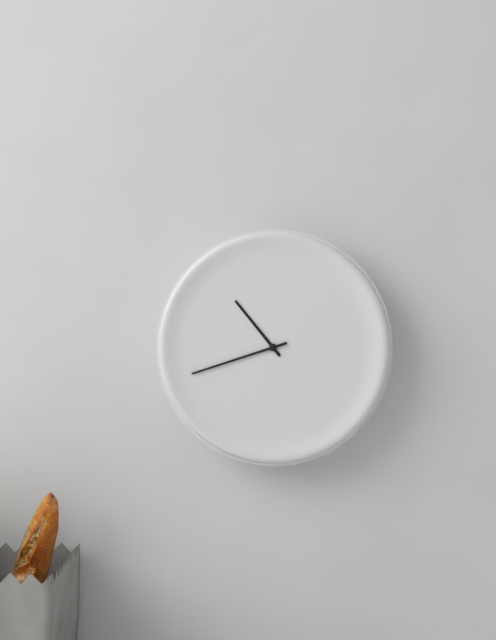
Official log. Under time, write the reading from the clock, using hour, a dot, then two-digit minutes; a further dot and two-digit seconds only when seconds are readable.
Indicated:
10.42
